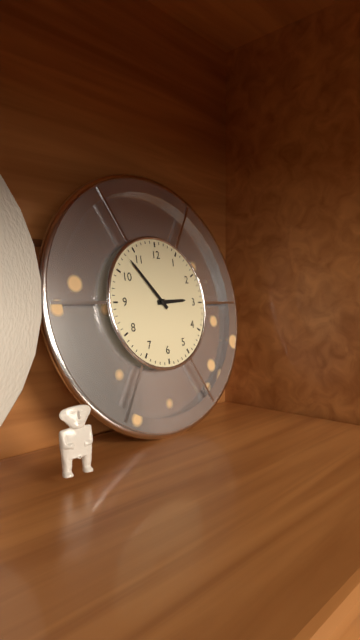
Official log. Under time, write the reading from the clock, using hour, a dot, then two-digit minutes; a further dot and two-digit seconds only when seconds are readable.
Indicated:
2.53
